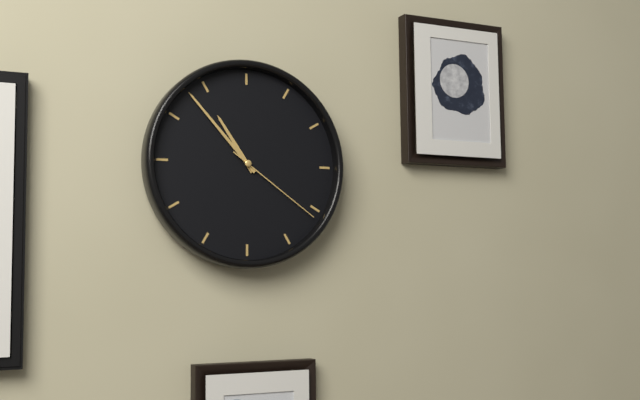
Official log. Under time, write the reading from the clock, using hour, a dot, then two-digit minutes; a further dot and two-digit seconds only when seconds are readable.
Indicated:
10.53.21
